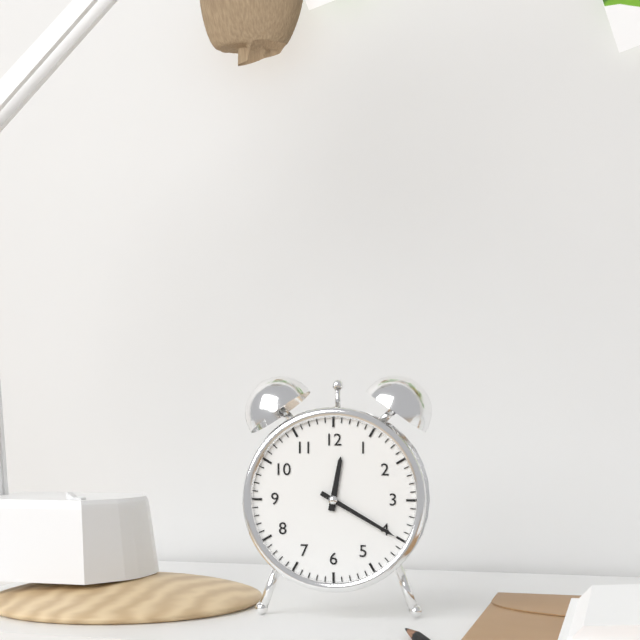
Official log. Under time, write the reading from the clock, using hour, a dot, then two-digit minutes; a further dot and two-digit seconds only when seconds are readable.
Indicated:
12.20
